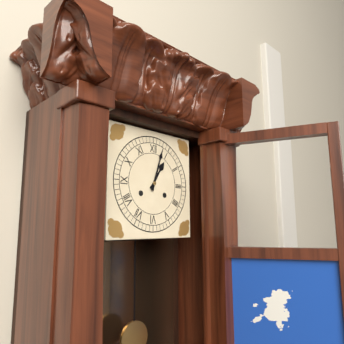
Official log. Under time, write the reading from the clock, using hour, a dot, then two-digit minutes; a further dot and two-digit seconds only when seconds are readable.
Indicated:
1.03
